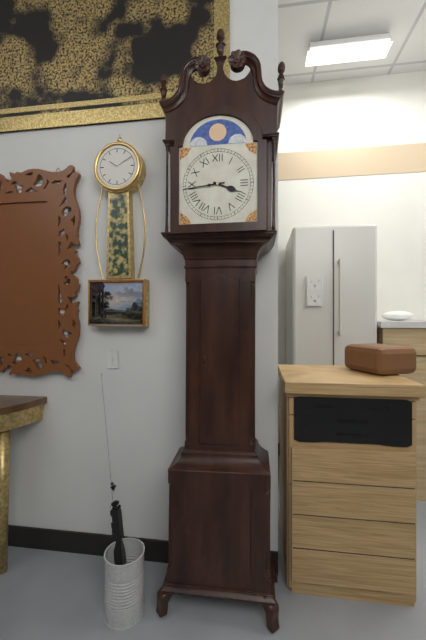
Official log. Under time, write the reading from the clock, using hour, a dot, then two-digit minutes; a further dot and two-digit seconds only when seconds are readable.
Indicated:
3.44
